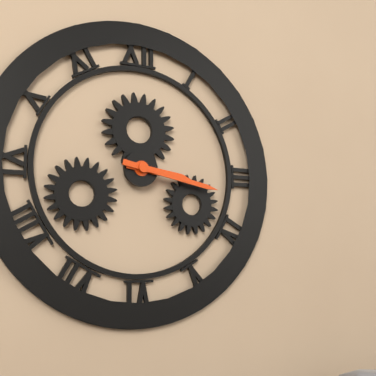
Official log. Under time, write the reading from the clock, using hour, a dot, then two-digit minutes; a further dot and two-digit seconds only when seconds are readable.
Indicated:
3.17
